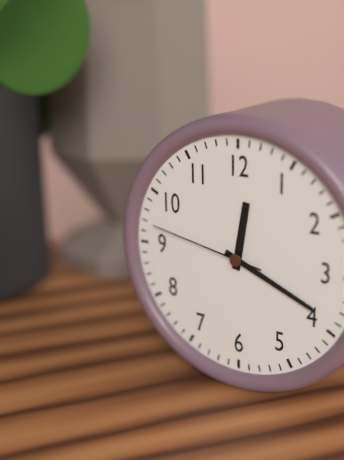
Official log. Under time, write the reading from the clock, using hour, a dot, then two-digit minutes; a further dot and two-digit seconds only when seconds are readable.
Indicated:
12.19.47
